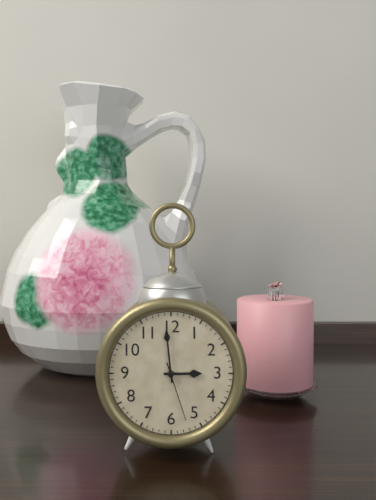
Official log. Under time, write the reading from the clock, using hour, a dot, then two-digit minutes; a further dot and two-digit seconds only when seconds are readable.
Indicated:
2.59.27
